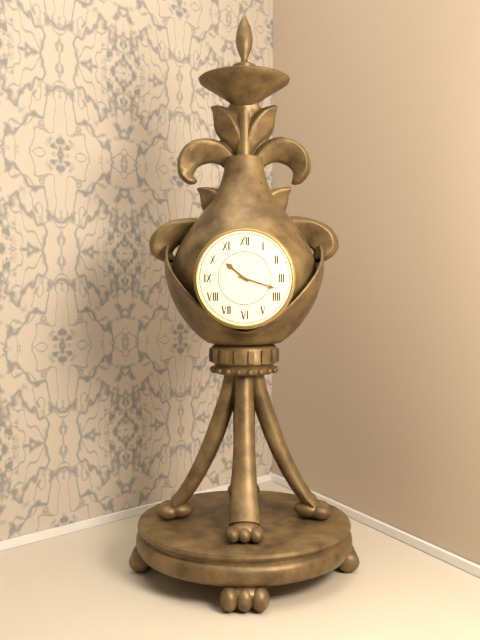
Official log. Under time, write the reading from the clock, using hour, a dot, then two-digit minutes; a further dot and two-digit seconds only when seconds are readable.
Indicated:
10.18
